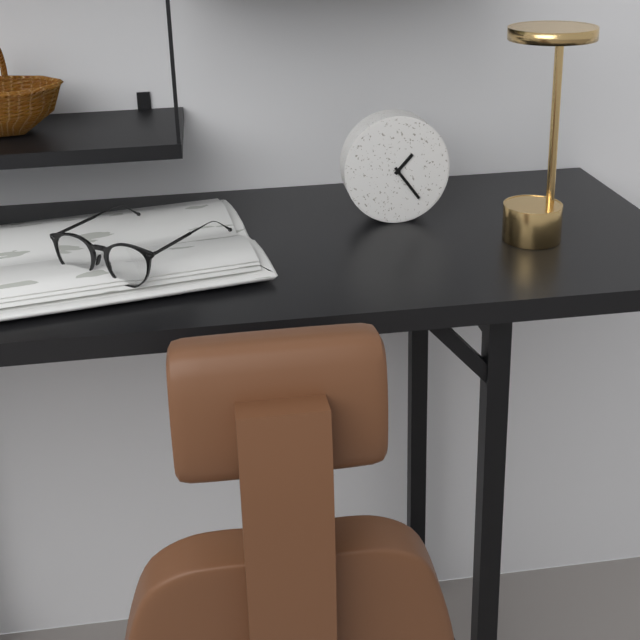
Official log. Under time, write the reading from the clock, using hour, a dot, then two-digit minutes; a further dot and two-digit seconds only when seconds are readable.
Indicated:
1.24
